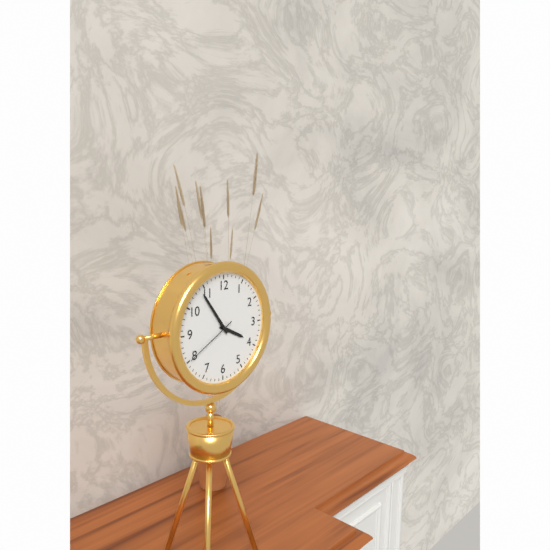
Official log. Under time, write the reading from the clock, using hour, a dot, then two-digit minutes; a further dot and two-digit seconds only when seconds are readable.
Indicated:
3.54.40
